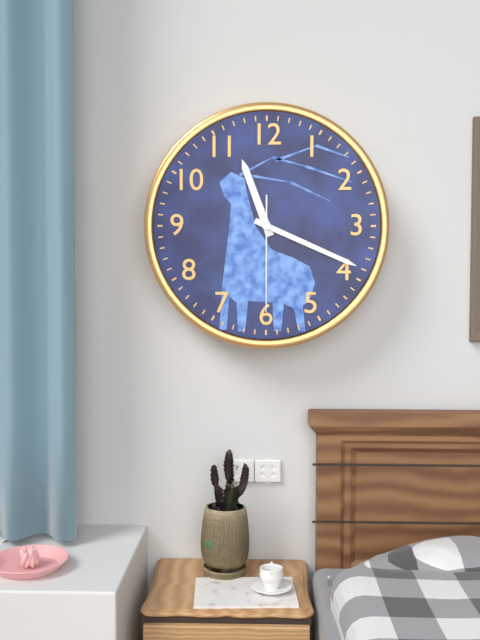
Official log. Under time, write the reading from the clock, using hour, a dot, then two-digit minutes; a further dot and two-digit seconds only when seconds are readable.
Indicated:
11.19.30
